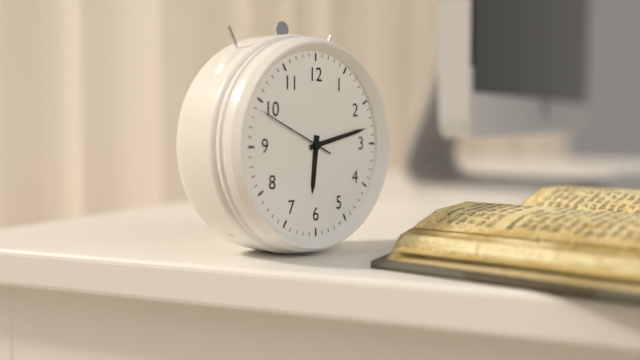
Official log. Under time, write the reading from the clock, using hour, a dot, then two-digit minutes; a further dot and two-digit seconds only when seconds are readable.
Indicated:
6.13.49
